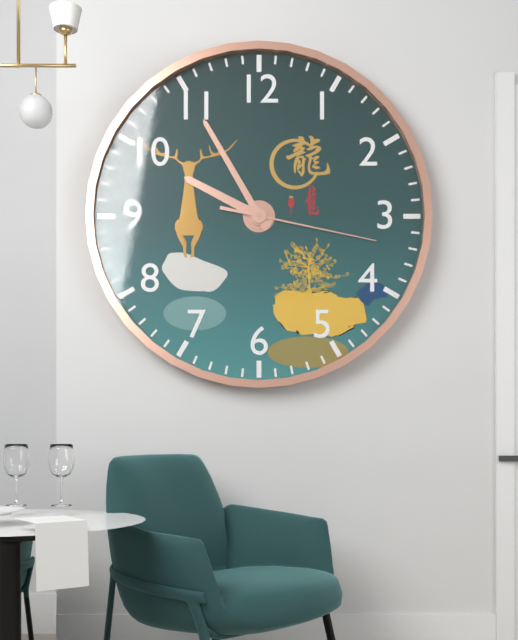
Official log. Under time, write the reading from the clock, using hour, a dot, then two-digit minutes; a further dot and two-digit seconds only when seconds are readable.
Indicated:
9.55.17
